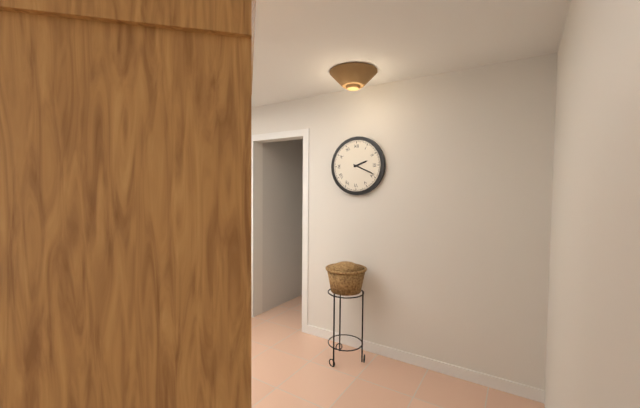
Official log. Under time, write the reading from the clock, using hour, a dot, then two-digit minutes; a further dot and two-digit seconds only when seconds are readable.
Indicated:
2.19
